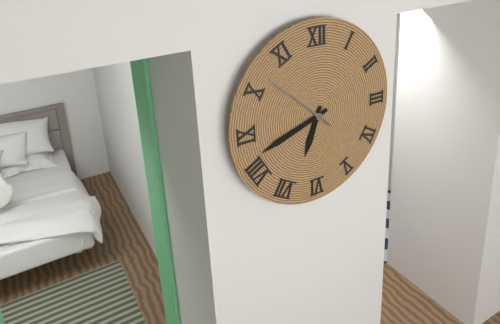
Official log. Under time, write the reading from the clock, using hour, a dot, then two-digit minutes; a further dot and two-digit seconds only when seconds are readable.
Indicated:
6.42.52
